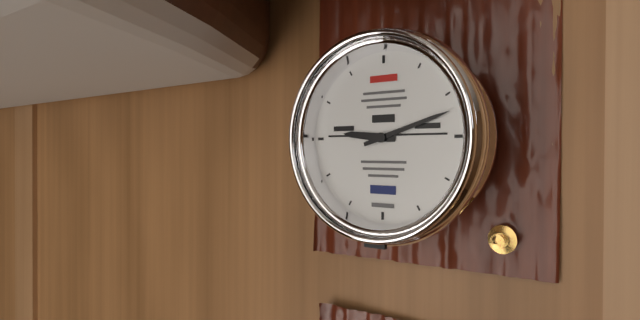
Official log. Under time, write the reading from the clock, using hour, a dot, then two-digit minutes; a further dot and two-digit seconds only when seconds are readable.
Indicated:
9.12
